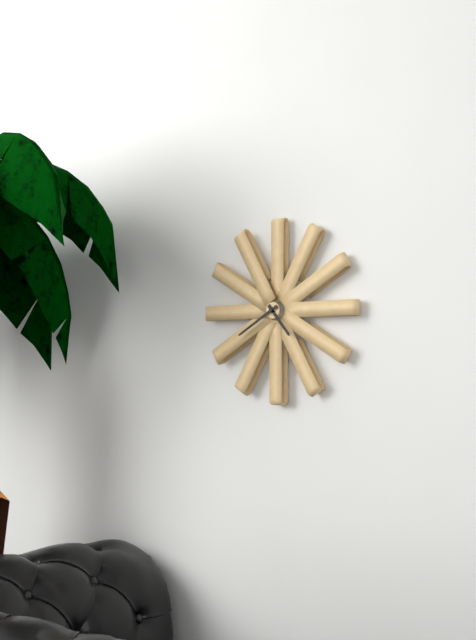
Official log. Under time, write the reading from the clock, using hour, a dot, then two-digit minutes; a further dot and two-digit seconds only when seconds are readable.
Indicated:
4.40
